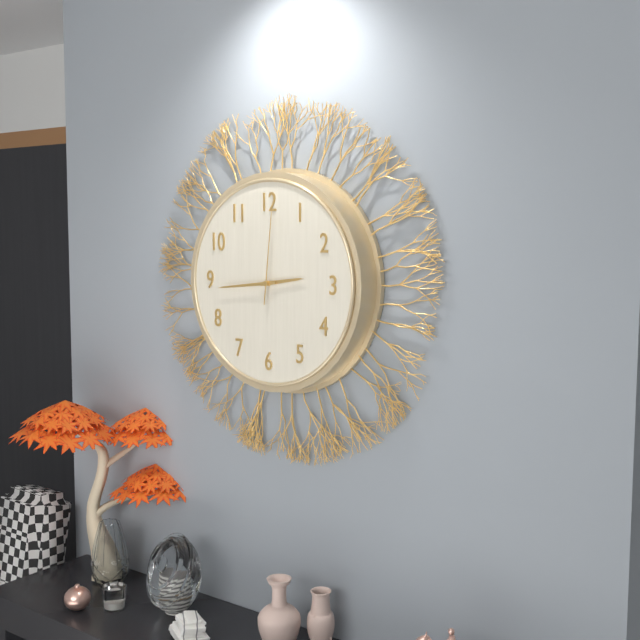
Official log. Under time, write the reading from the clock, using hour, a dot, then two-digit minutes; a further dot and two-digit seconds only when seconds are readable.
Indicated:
2.44.01
